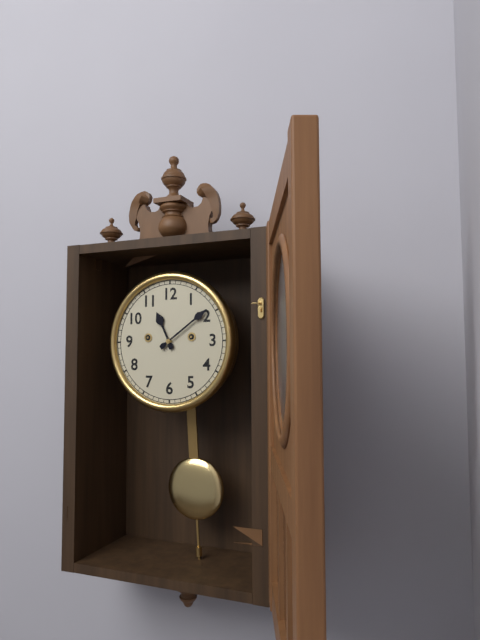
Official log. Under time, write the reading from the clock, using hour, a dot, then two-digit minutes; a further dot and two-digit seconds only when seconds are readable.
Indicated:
11.09
